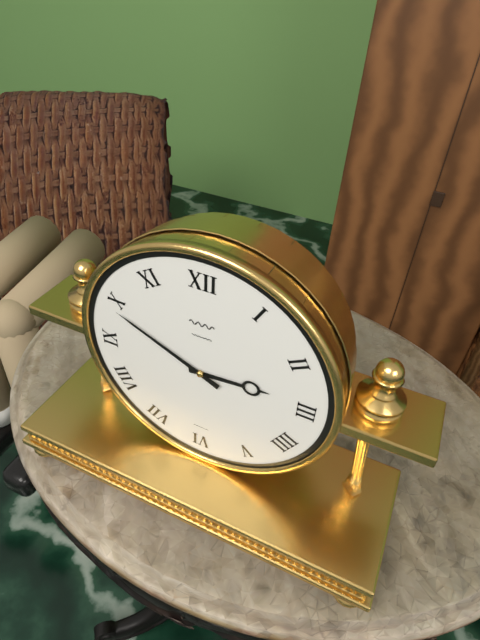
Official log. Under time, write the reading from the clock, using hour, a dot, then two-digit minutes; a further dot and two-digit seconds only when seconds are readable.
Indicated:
2.49
